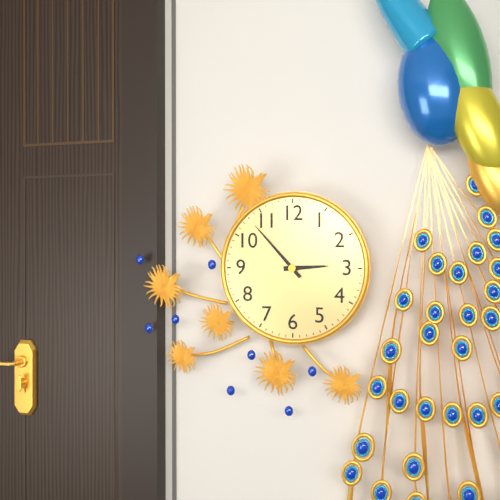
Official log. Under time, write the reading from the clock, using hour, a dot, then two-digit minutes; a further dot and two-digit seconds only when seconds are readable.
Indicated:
2.53
